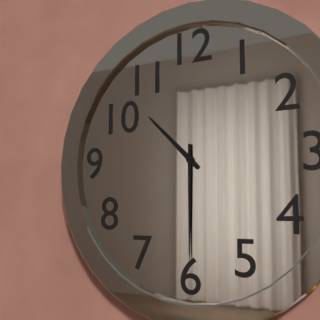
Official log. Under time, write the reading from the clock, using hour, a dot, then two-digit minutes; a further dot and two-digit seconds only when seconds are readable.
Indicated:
10.30
